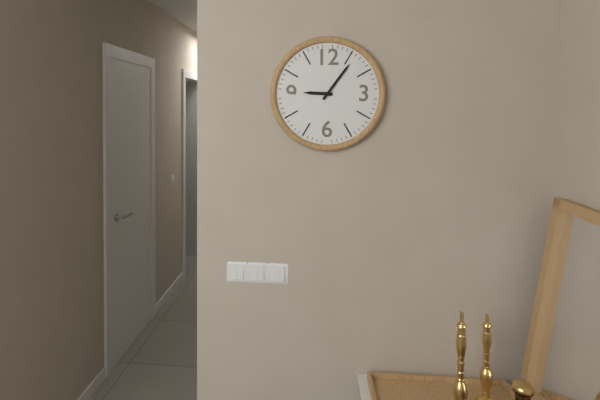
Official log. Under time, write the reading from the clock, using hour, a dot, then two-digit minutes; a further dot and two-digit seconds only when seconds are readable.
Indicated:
9.06
